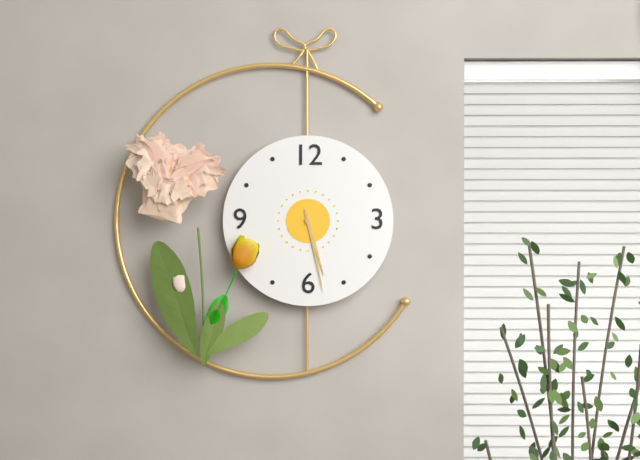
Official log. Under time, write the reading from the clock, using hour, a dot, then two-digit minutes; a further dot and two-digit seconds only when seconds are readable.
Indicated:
5.28
